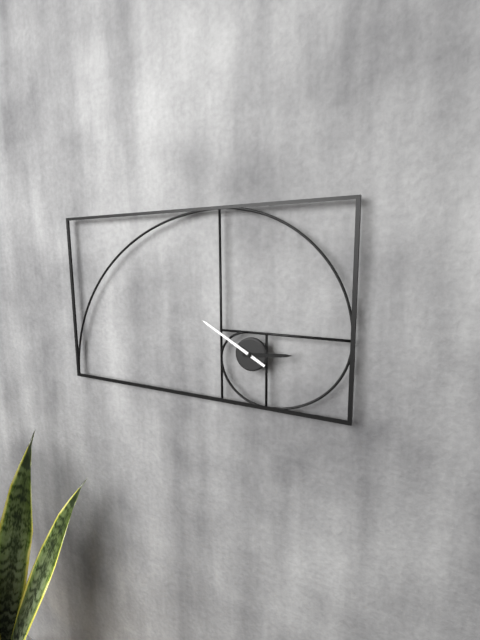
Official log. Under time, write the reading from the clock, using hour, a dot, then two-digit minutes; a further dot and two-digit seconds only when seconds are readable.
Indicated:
2.50
